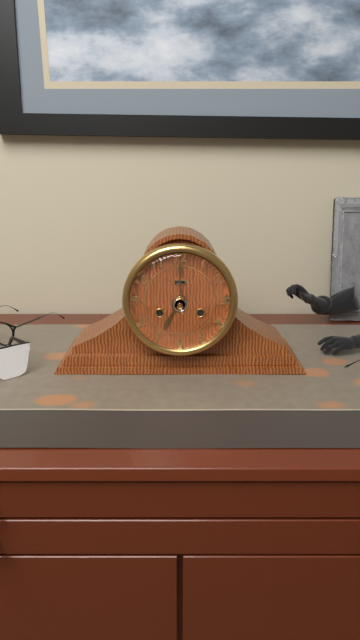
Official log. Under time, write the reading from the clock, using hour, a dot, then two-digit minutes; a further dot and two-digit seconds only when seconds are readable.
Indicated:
7.00
